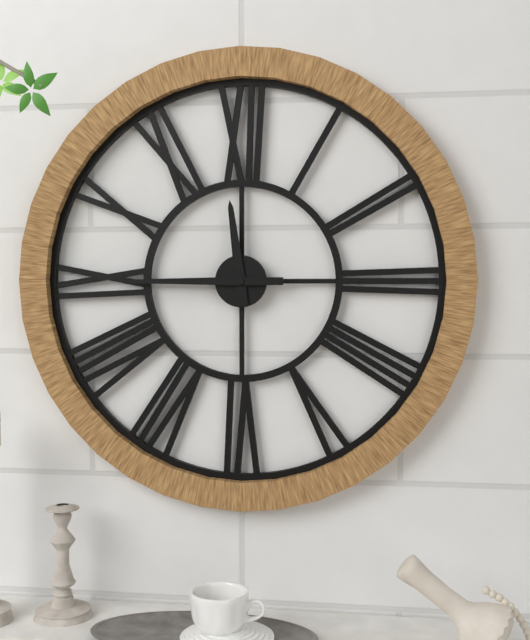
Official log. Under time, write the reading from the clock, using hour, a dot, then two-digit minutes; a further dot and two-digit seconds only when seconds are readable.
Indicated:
11.45
